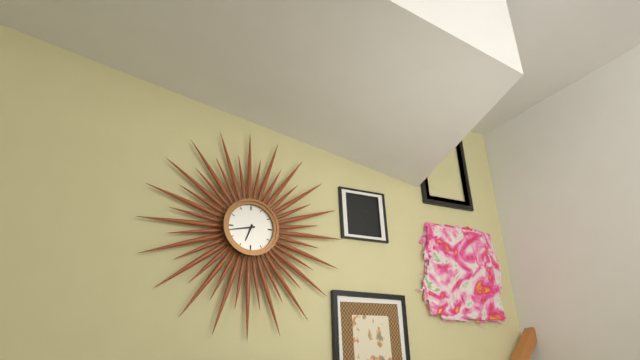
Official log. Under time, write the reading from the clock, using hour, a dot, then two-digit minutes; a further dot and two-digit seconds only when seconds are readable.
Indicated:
6.43
